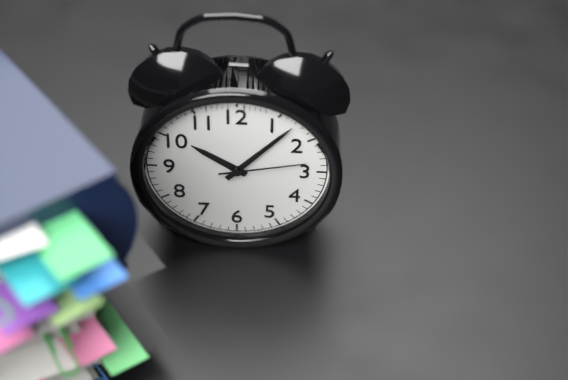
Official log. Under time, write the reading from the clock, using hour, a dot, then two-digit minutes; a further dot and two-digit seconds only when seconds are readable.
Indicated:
10.07.13
